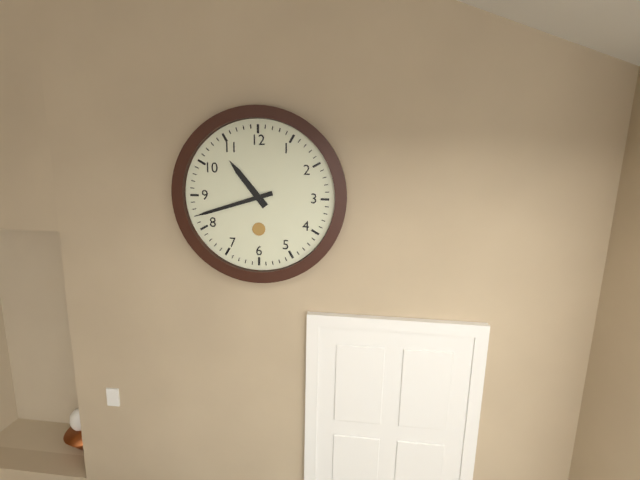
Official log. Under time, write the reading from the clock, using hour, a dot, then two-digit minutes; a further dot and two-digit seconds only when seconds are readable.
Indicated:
10.42
